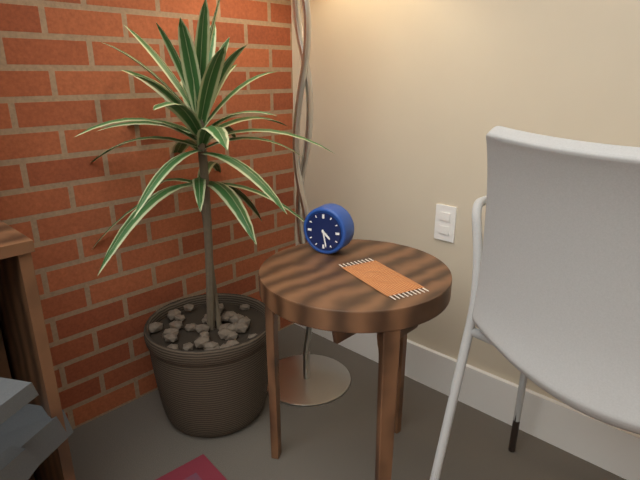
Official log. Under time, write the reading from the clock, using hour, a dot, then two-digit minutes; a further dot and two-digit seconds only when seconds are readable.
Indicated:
4.28
